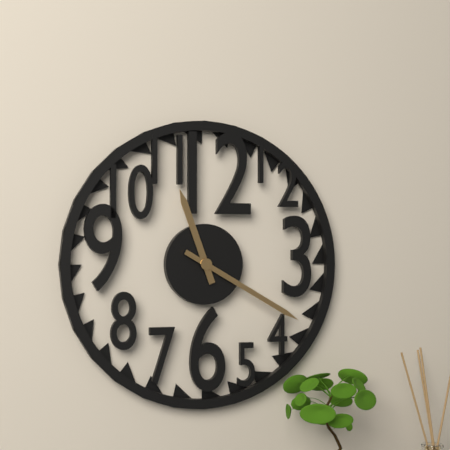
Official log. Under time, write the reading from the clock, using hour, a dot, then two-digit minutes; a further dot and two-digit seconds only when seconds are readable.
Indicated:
11.20
